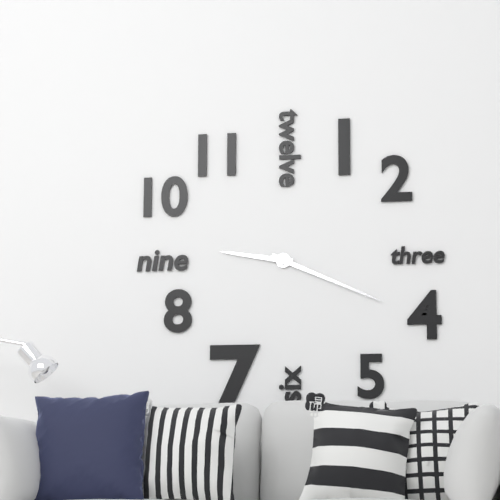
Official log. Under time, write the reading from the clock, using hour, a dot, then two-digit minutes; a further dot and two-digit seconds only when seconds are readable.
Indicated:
9.19
